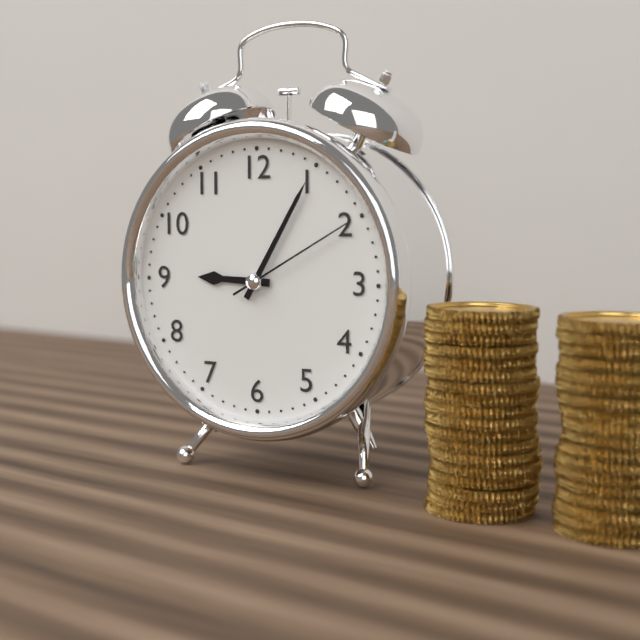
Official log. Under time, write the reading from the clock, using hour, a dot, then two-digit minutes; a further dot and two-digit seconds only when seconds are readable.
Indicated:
9.05.10
